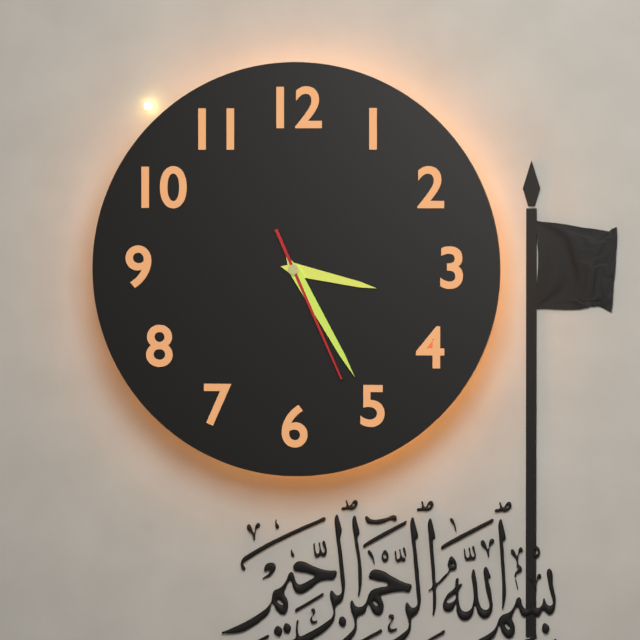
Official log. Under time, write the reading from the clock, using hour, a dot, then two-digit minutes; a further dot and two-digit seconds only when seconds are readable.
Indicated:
3.25.26
